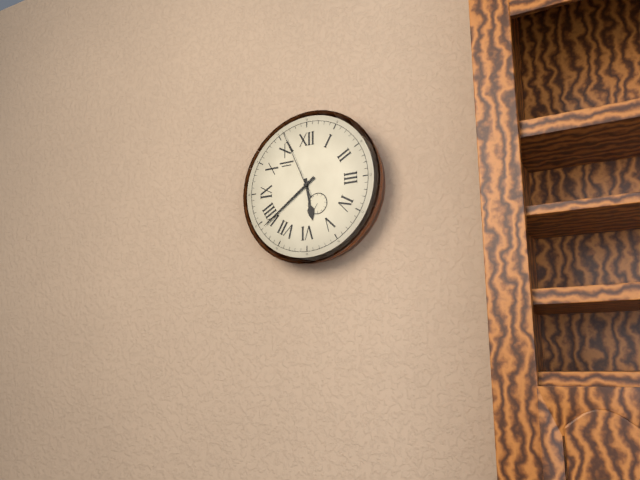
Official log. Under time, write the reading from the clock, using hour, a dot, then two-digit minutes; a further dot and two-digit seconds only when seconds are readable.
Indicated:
5.39.56
